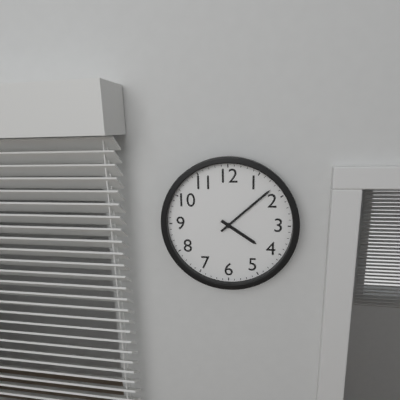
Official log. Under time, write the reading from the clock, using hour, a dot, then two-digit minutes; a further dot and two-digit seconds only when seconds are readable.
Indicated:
4.08
